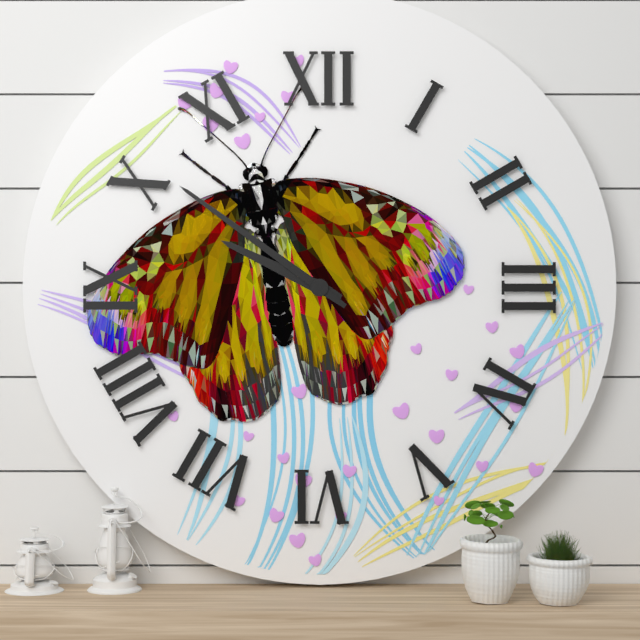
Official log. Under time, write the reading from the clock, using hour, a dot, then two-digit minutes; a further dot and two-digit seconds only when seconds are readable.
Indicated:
9.51
